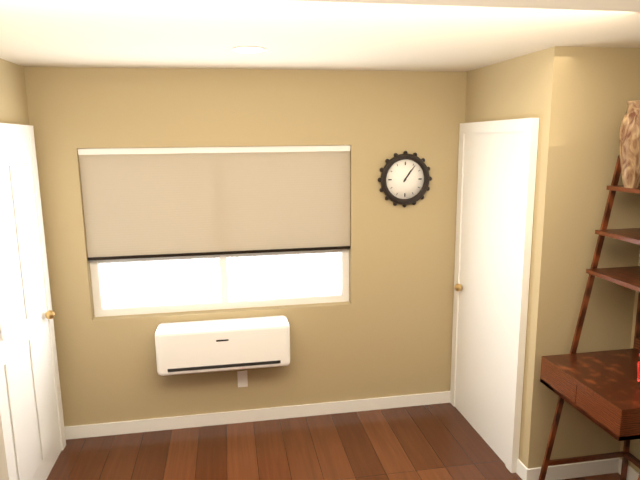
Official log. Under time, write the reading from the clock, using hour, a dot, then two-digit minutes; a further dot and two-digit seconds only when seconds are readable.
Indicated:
1.06
